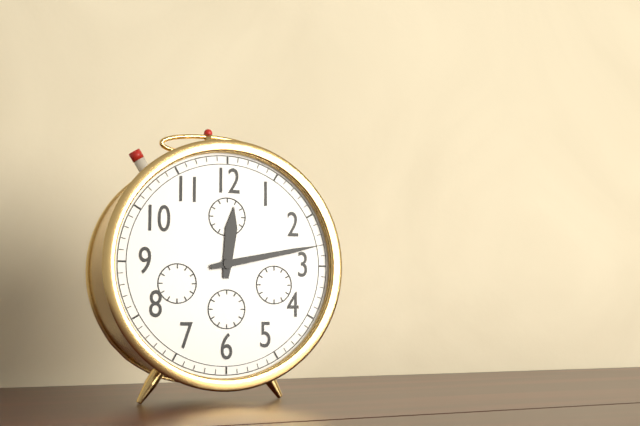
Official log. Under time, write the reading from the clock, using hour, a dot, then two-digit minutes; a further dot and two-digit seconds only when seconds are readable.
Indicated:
12.13
